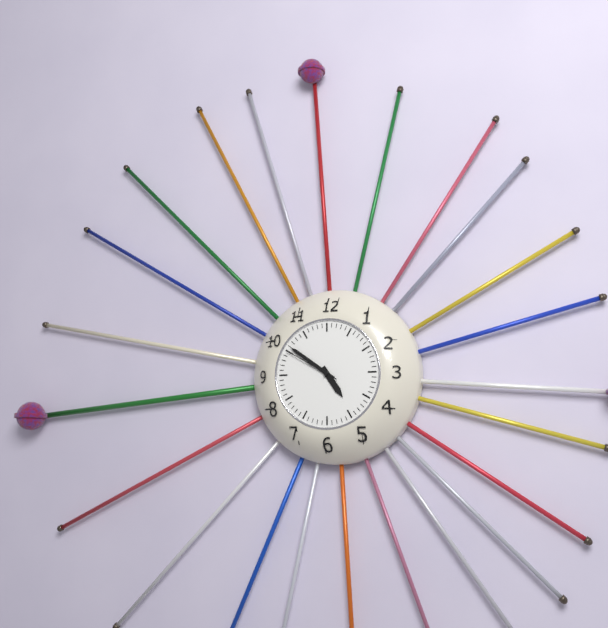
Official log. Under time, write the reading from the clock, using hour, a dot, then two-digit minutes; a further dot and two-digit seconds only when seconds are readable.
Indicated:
4.51.50
